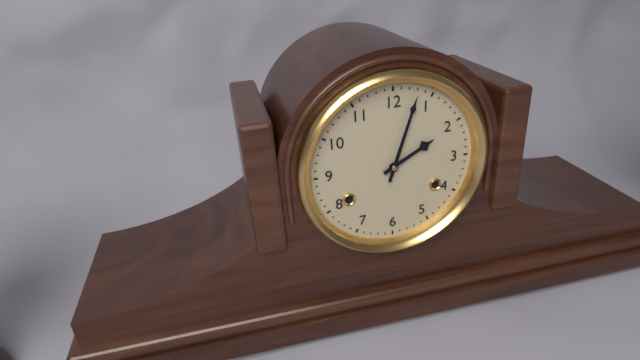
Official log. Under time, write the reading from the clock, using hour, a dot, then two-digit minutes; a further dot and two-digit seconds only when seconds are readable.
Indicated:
2.03
